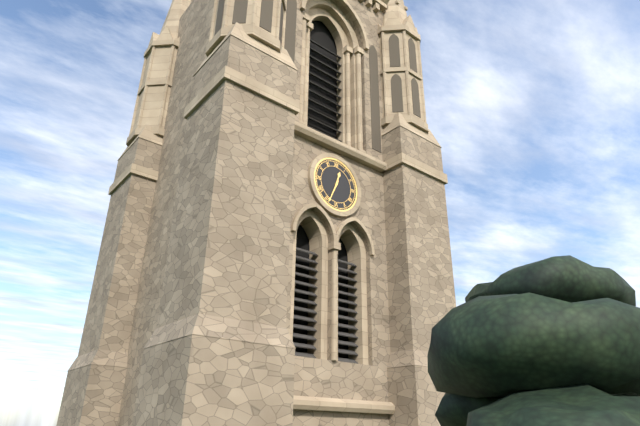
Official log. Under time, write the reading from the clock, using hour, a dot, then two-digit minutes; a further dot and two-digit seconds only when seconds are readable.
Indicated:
12.34
